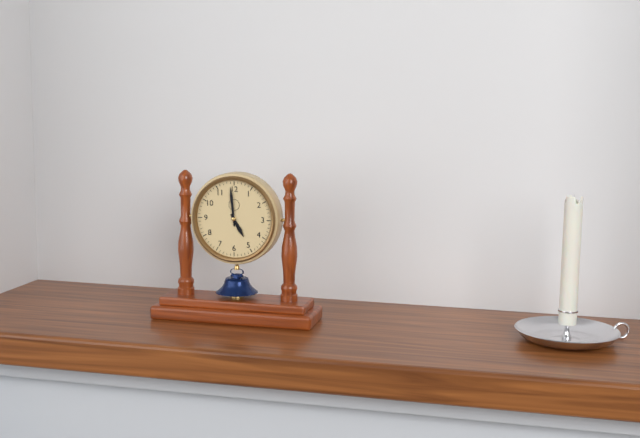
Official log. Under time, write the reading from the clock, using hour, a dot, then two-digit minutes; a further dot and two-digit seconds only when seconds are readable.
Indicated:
4.59
